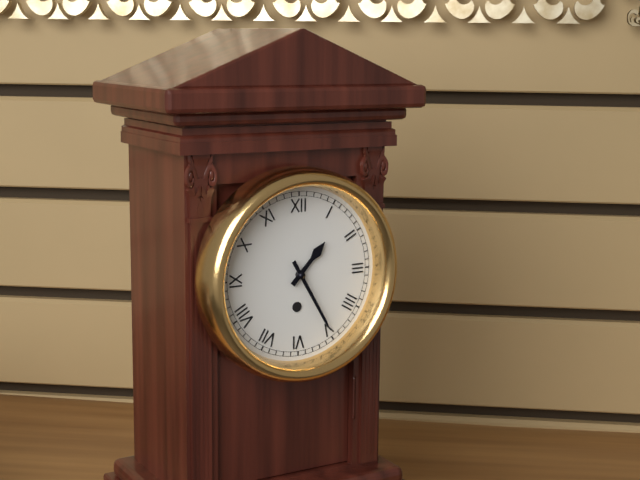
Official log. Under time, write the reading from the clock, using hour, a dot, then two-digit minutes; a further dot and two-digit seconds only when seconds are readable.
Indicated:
1.25
